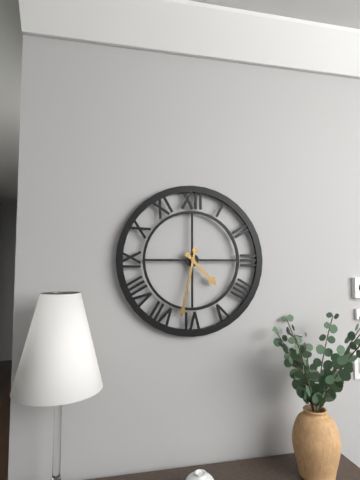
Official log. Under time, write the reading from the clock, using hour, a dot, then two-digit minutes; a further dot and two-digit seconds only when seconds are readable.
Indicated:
4.32
